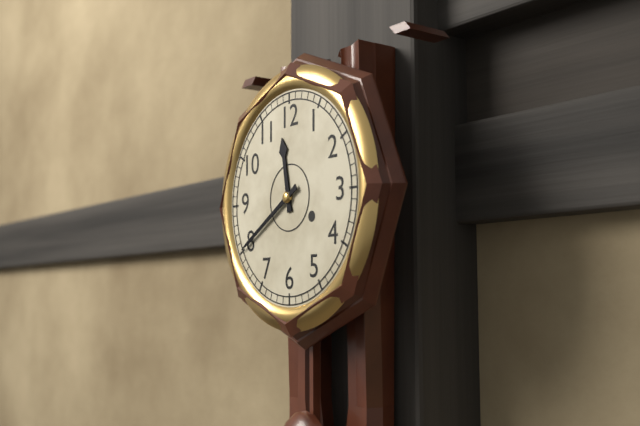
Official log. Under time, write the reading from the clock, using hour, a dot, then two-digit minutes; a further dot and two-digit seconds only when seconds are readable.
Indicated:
11.40
